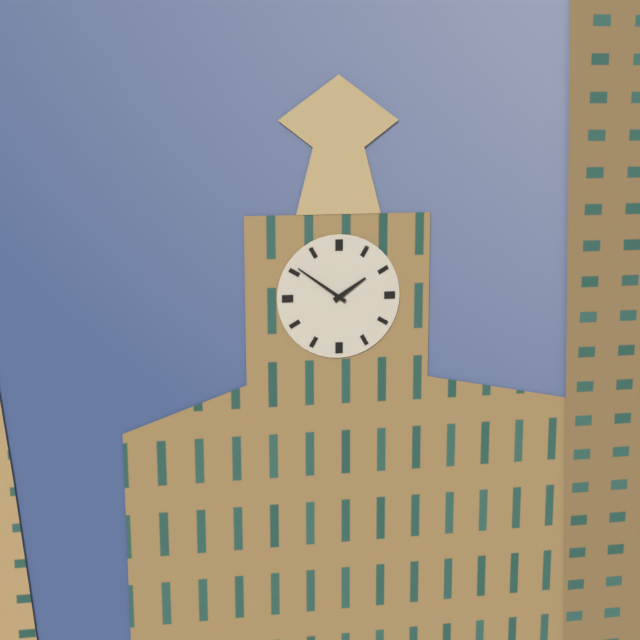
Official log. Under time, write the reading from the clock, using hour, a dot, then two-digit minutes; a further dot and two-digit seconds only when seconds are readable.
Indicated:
1.51
